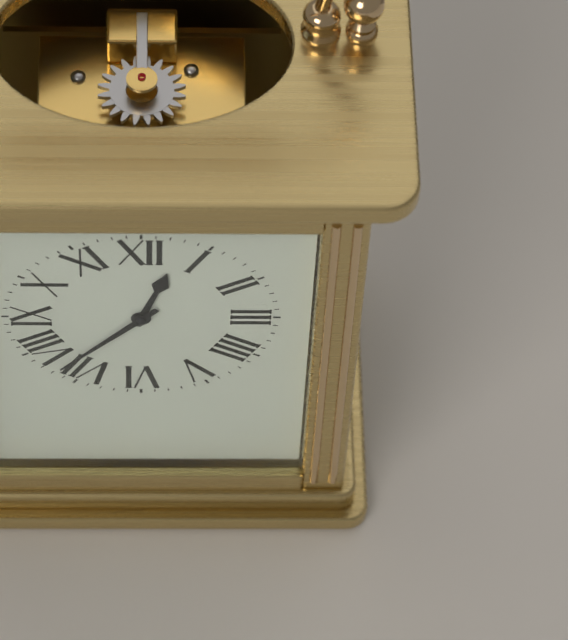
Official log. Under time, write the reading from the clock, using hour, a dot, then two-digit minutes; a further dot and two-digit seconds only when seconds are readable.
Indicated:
12.37
